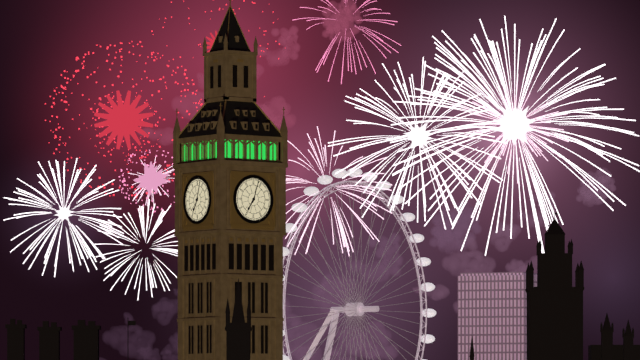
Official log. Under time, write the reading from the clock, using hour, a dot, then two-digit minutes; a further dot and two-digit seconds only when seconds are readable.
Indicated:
7.03
